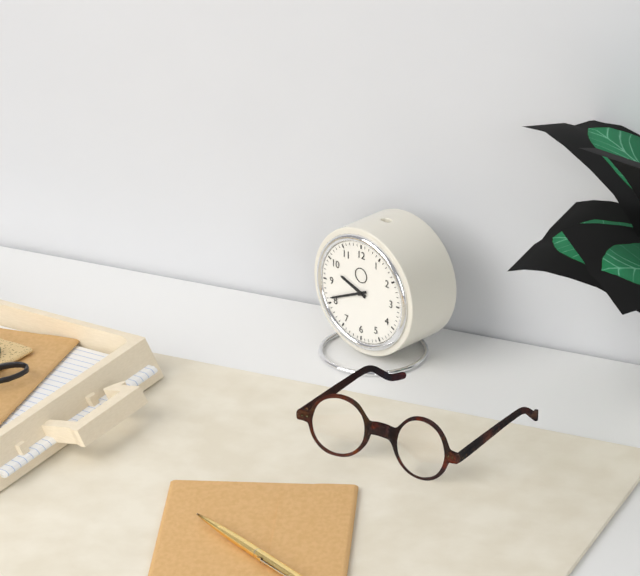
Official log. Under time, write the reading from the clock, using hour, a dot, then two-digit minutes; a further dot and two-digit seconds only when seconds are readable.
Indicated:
9.41
